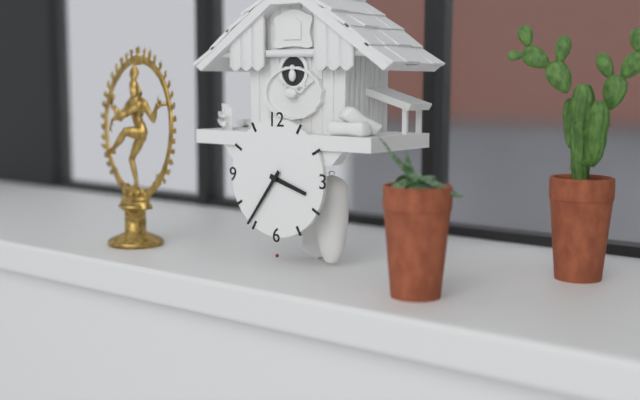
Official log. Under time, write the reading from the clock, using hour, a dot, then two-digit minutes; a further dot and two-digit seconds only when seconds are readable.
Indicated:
3.36
